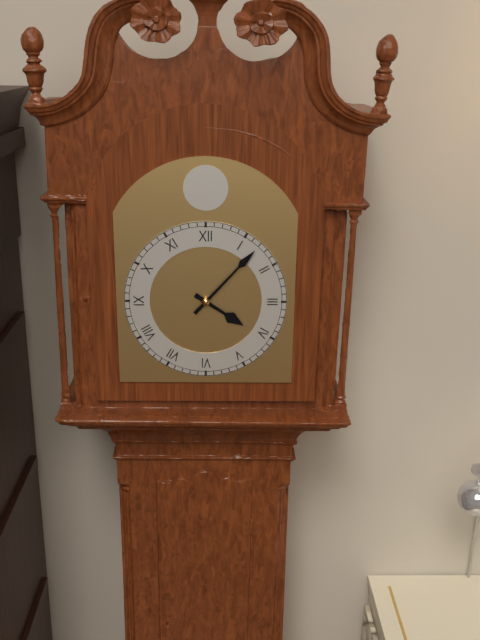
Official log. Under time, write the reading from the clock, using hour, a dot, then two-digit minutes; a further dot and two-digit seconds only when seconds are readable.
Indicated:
4.07
